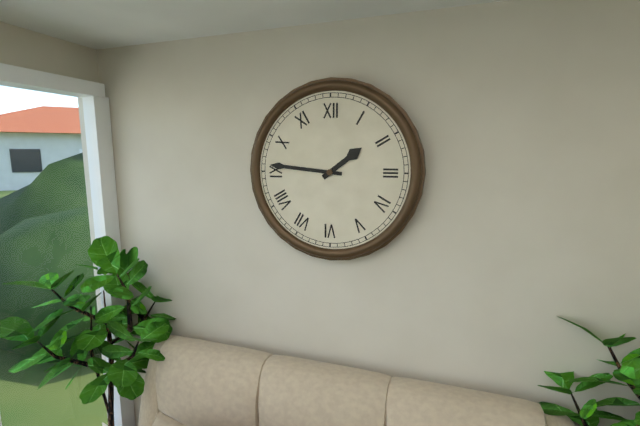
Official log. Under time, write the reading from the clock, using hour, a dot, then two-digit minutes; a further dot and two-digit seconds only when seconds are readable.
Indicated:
1.46
